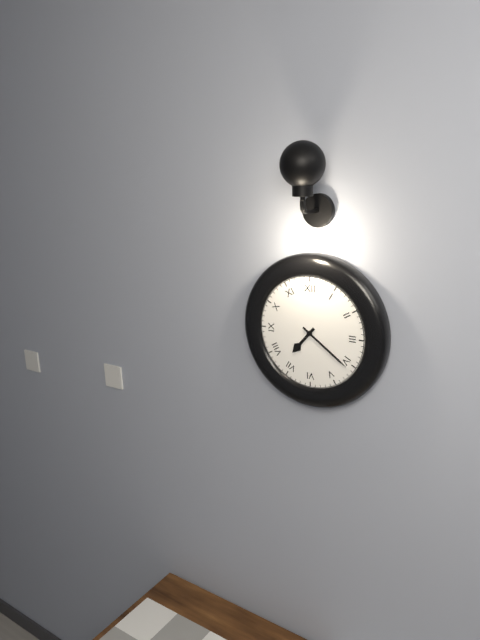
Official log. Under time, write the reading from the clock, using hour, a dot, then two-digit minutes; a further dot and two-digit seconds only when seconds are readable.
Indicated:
7.21
